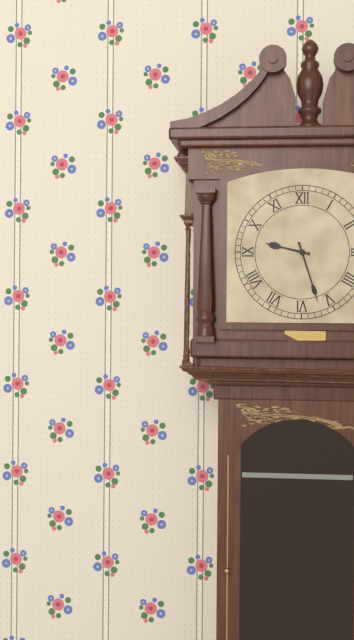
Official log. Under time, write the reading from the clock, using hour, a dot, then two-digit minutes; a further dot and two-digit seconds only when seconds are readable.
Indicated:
9.27
